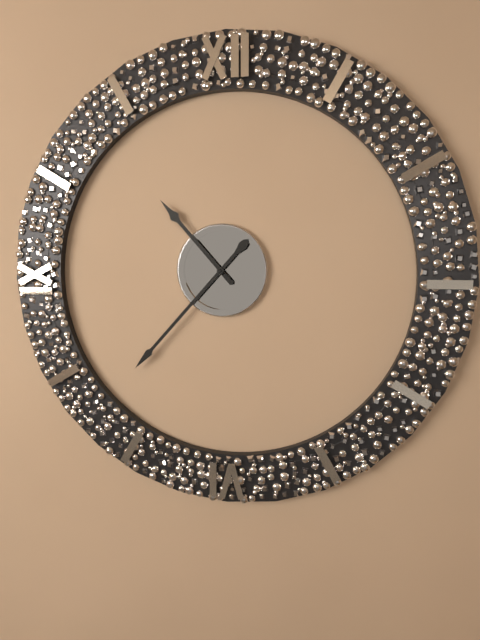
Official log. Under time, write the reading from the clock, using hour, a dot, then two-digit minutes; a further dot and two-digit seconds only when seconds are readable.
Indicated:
10.37
